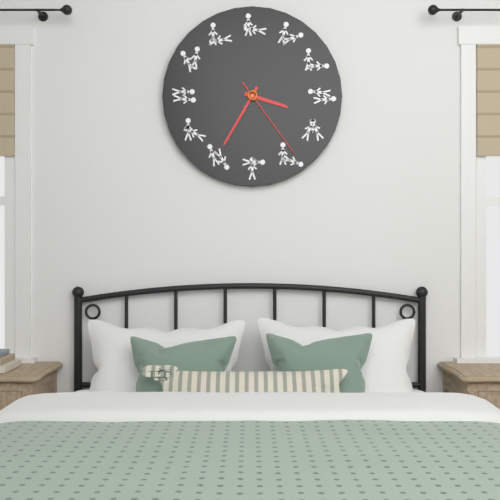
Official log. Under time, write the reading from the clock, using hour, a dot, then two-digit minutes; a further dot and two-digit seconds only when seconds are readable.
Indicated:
3.35.24
